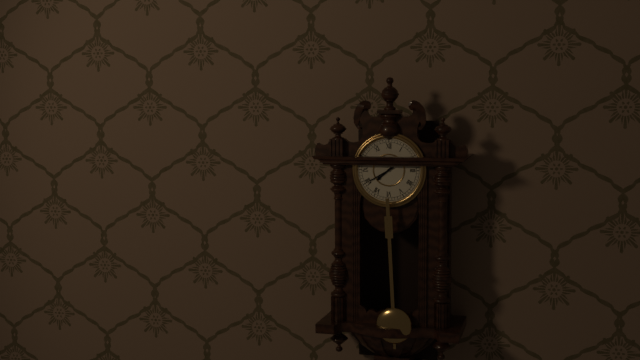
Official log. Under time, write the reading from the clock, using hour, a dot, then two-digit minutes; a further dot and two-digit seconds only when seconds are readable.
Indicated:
7.40
